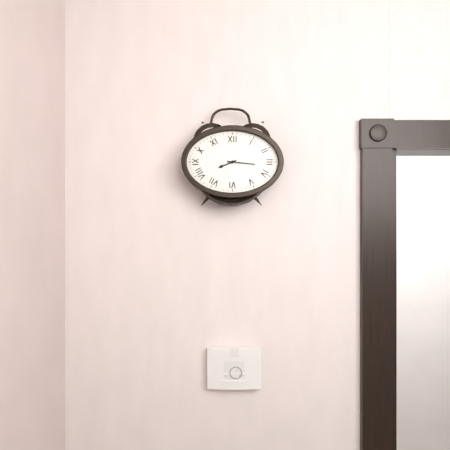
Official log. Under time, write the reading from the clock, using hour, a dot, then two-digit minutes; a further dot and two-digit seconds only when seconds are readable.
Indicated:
8.16
